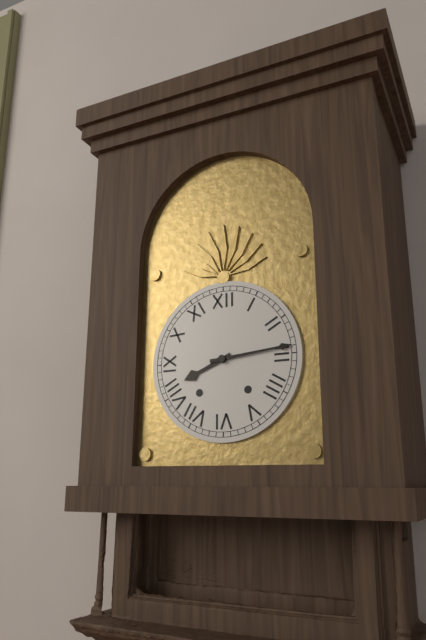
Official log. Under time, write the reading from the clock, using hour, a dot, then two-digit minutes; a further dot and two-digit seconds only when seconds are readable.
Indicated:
8.14
